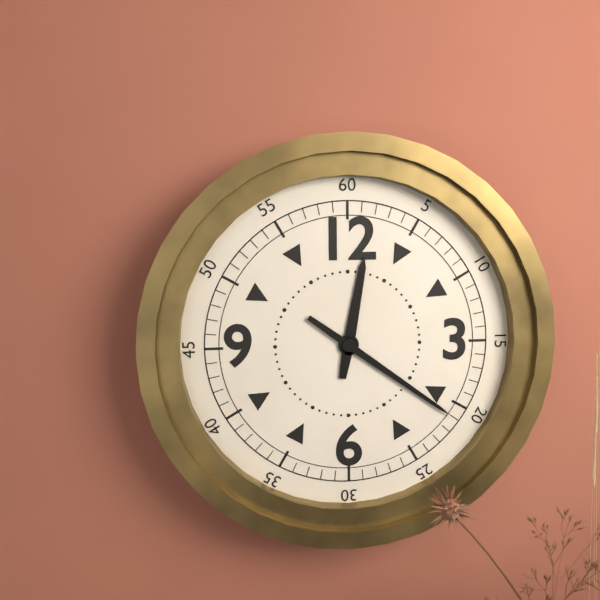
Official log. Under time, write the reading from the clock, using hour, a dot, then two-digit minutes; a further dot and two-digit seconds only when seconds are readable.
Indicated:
12.21
